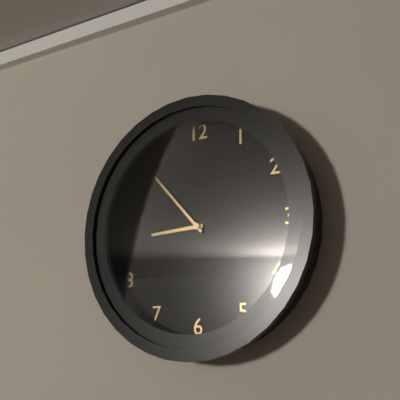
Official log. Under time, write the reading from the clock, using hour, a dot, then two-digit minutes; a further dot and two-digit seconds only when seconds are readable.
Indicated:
8.53
